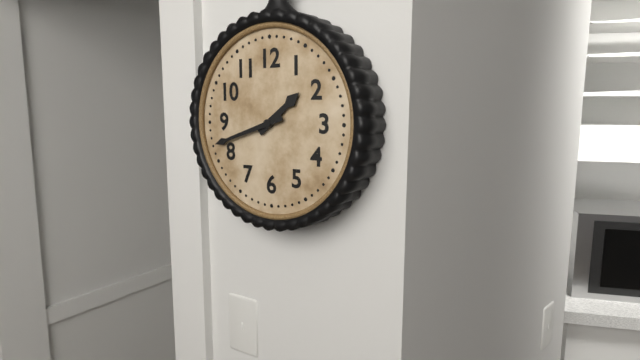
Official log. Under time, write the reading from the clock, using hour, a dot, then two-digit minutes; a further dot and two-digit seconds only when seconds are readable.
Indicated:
1.42
